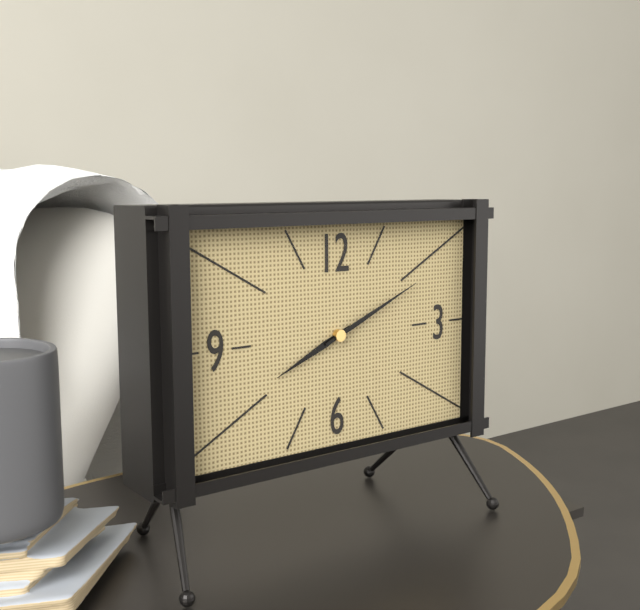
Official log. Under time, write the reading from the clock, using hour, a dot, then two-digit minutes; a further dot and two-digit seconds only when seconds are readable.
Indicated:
8.11
